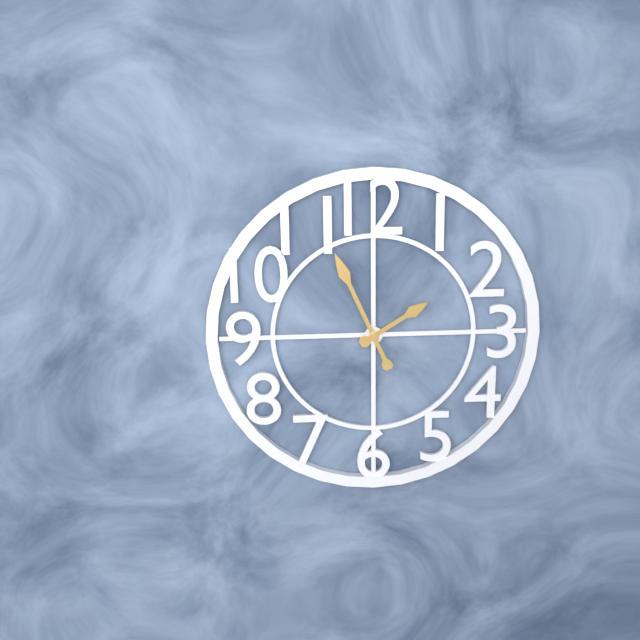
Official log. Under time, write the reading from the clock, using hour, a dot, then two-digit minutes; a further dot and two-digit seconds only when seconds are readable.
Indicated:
1.56
